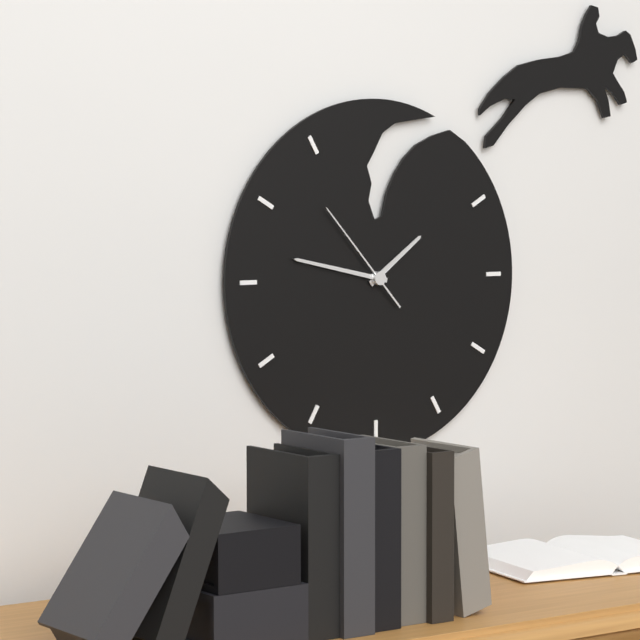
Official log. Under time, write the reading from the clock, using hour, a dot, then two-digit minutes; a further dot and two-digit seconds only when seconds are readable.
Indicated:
1.47.53
